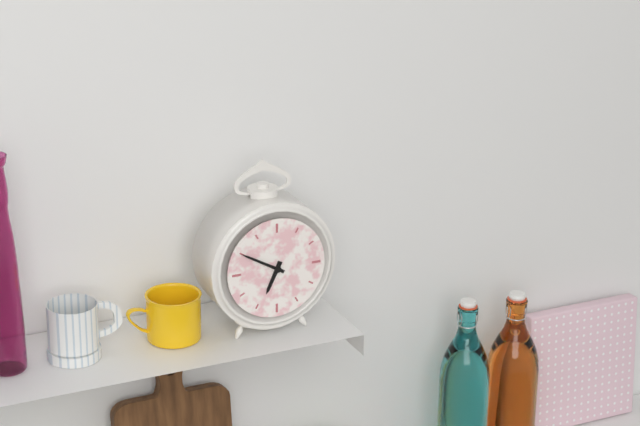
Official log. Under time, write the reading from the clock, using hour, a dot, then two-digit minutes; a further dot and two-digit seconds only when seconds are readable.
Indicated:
6.50
